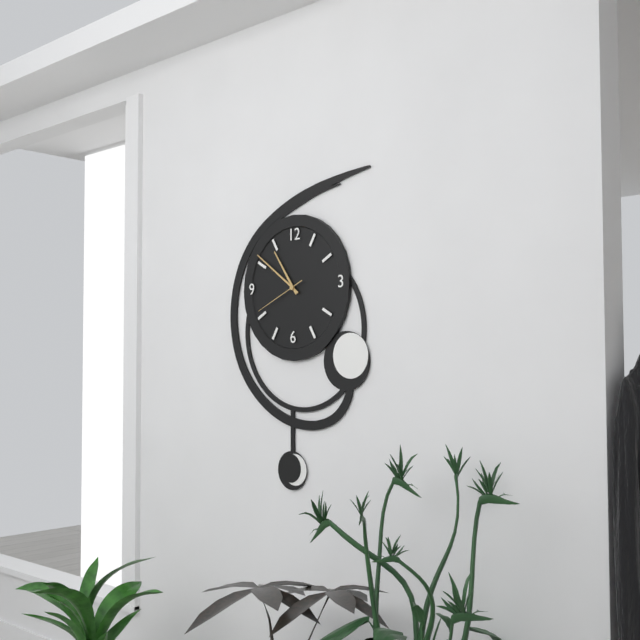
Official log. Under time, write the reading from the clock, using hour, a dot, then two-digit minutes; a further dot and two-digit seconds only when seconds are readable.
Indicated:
10.51.41
